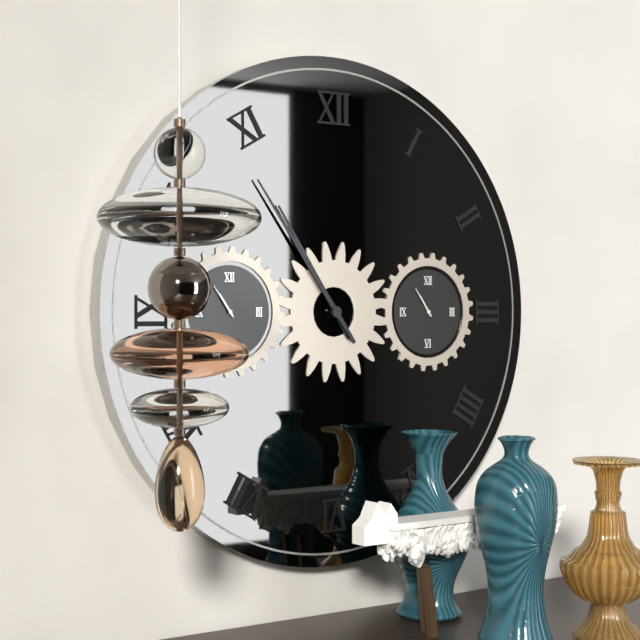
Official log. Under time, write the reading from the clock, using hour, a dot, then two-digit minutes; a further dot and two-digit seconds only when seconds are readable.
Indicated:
10.54
